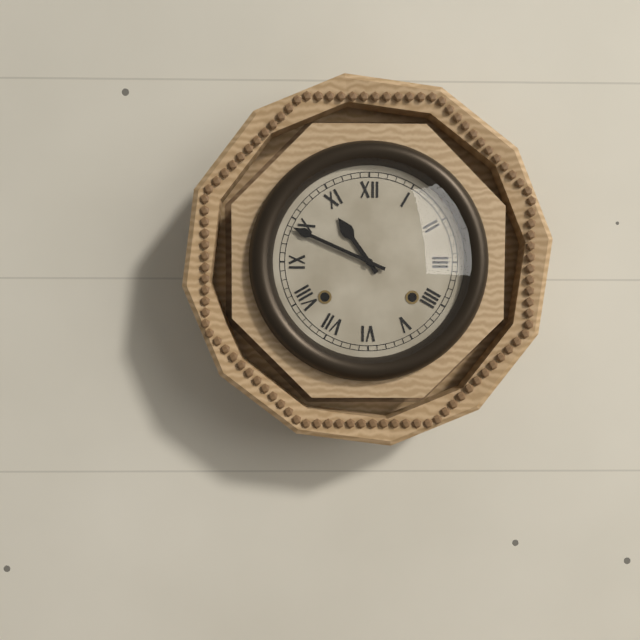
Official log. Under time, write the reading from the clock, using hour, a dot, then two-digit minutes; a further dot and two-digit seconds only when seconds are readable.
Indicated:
10.49
